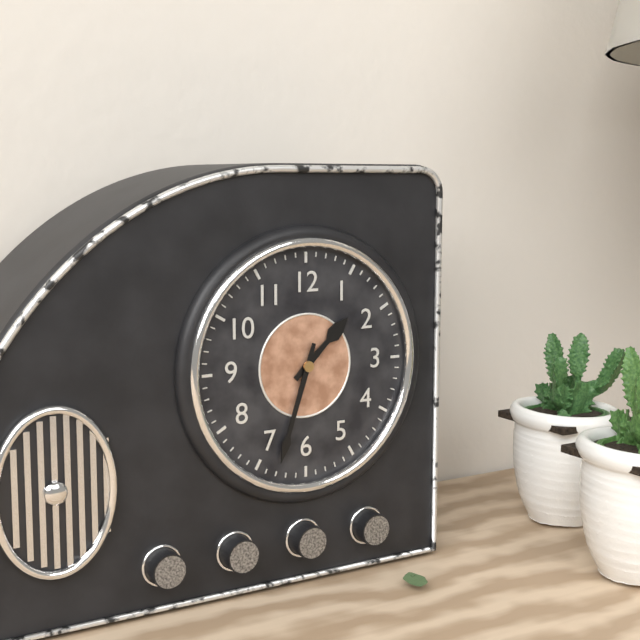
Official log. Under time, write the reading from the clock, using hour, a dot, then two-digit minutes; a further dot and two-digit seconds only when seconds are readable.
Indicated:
1.33
